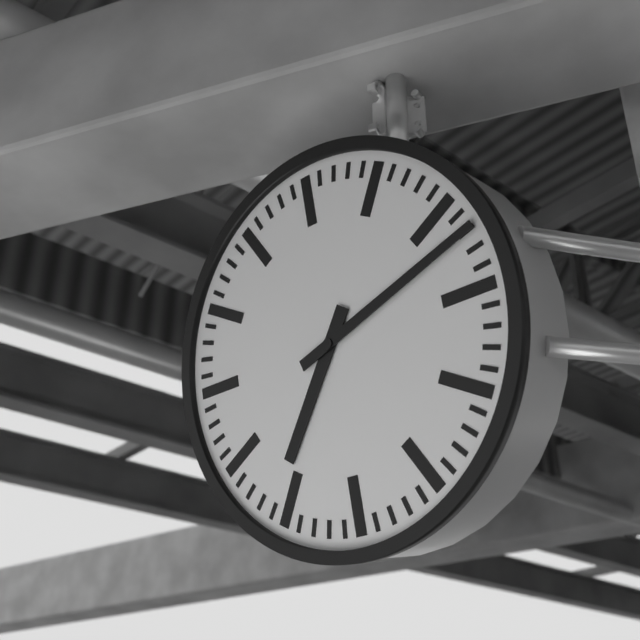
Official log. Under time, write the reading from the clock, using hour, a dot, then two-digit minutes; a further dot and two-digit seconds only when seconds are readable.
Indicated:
7.12
